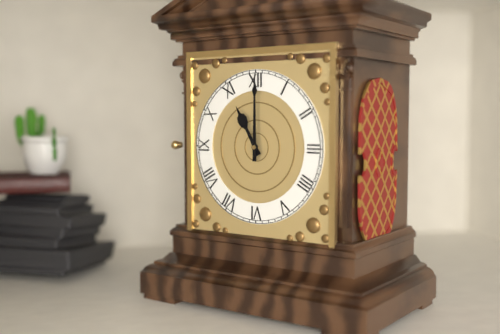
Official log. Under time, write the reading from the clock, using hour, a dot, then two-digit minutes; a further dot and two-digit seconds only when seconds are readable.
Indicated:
11.00
